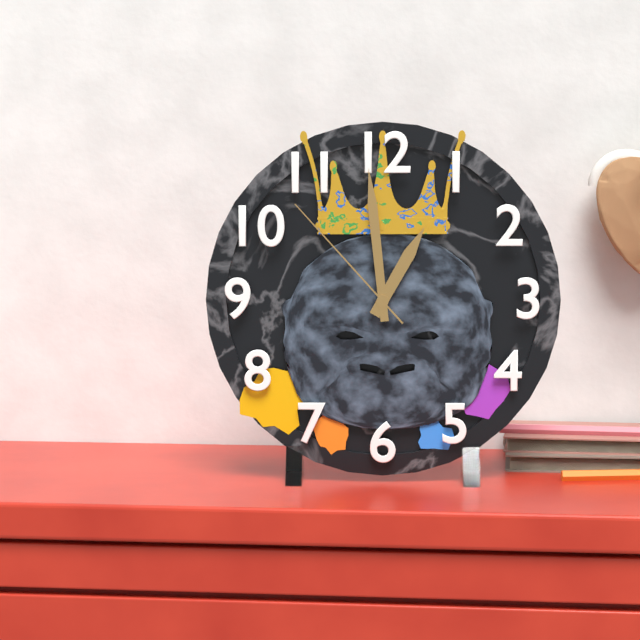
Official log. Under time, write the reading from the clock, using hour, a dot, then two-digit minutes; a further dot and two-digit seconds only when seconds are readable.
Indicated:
12.59.53
